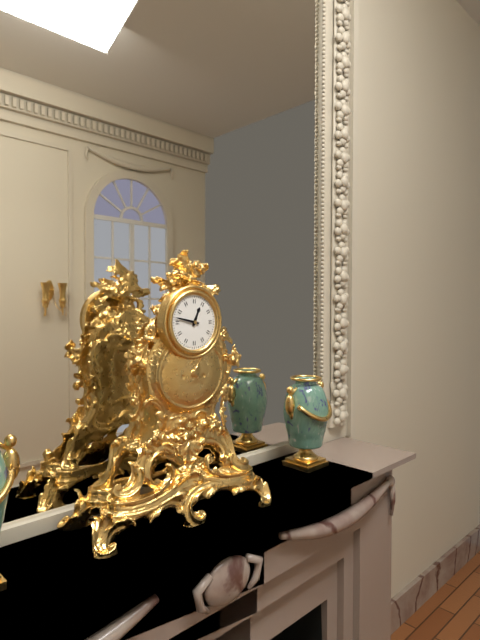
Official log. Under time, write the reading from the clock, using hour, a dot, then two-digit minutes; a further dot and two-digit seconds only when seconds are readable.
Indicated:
12.47
